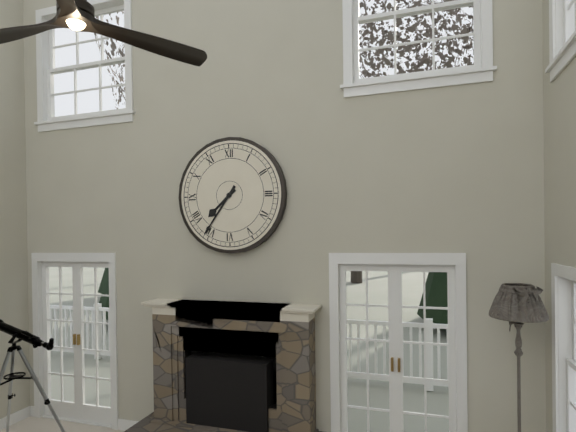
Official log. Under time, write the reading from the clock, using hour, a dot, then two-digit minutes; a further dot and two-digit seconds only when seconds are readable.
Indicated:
7.36
